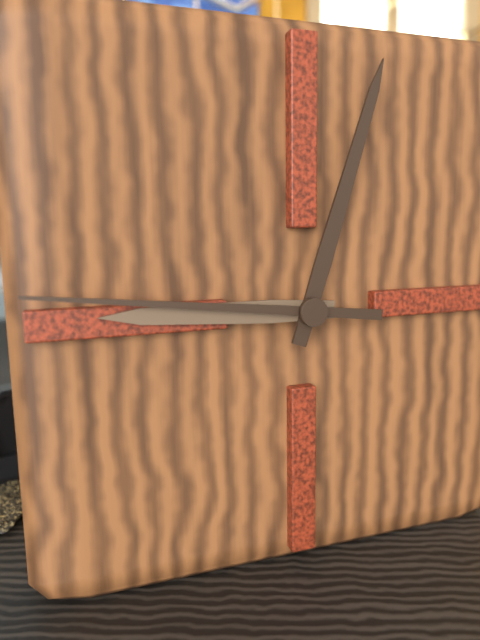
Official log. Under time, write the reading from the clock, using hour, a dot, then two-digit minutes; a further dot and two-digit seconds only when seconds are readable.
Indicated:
9.03.46
